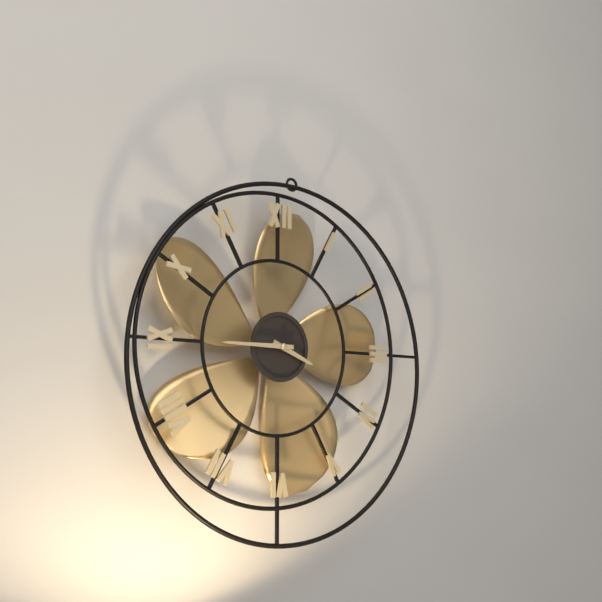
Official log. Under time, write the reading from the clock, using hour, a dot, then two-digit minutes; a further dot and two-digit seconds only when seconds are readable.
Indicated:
3.45
